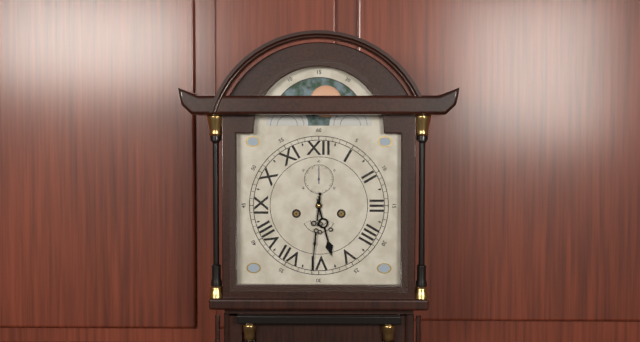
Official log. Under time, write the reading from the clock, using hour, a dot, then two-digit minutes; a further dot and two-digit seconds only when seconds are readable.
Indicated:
5.31
